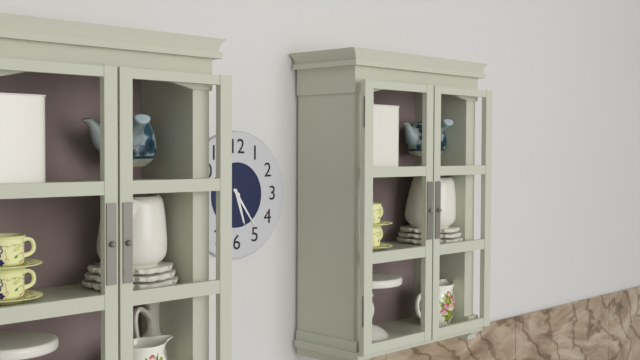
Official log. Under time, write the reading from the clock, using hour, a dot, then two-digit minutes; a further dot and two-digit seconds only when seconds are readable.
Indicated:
5.24
